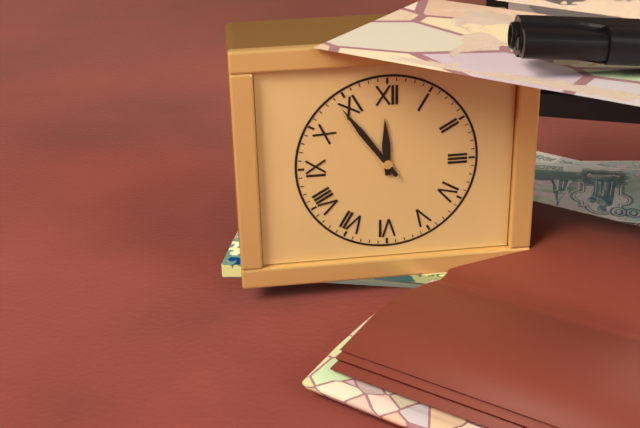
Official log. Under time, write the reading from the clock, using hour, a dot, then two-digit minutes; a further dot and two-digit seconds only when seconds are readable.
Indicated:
11.54
